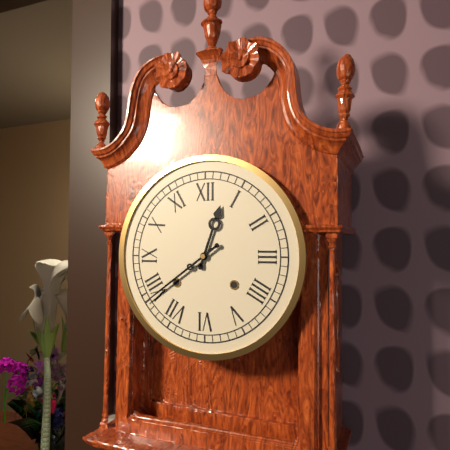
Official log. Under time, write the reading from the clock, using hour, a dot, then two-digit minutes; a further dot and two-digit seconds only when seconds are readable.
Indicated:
12.39
